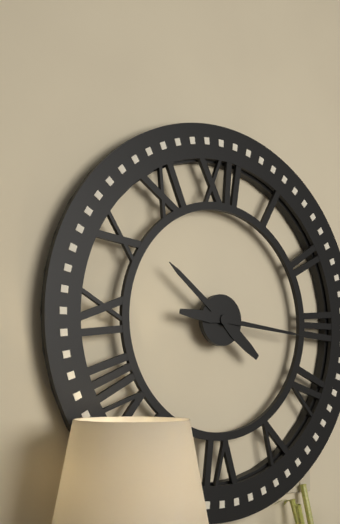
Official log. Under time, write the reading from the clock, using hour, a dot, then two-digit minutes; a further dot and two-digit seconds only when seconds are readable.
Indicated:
10.16
